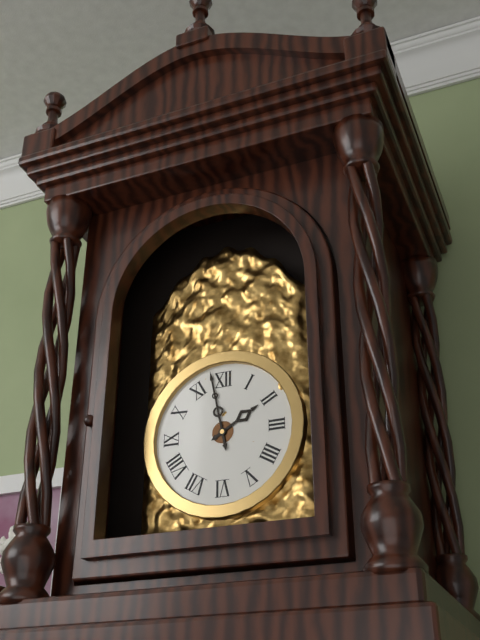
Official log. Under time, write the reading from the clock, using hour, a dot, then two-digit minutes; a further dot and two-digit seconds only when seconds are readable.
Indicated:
1.58
